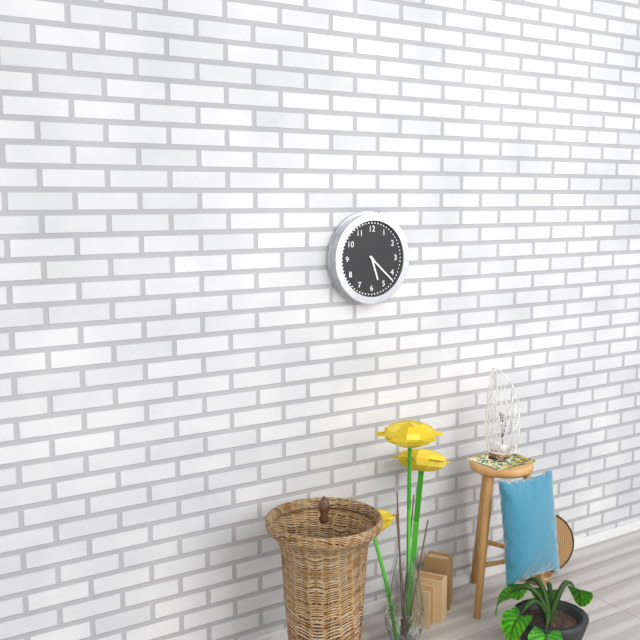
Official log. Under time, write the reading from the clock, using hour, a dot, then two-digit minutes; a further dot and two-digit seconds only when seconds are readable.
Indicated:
5.22
